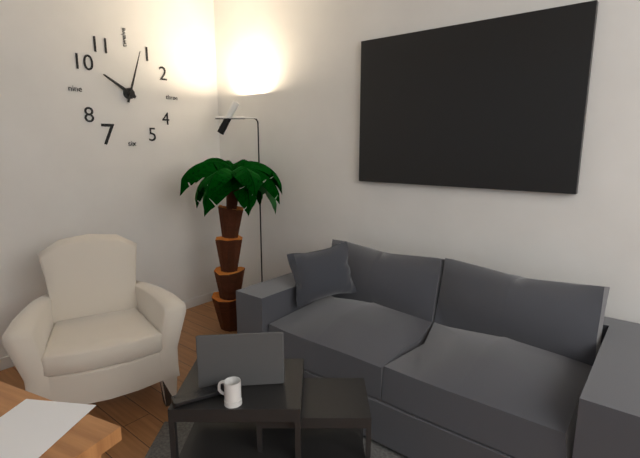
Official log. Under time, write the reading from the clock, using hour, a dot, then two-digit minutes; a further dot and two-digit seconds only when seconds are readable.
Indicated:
10.03
